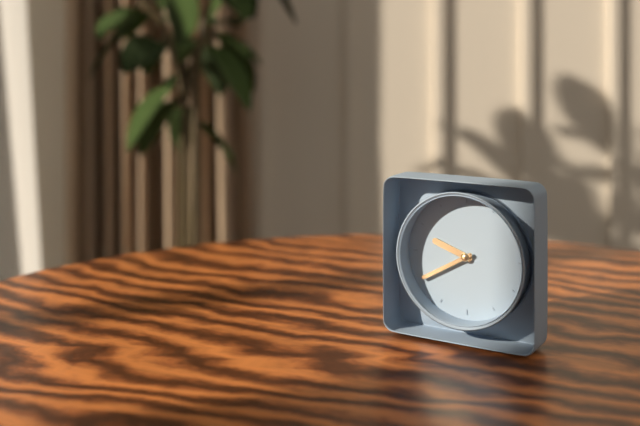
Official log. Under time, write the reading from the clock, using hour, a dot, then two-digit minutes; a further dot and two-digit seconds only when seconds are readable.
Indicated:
9.40
